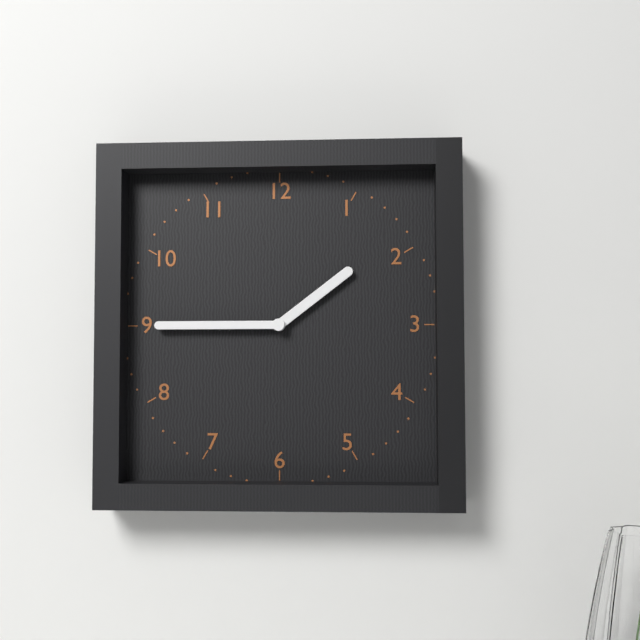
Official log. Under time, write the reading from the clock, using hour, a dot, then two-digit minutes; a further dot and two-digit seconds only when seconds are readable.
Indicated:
1.45
